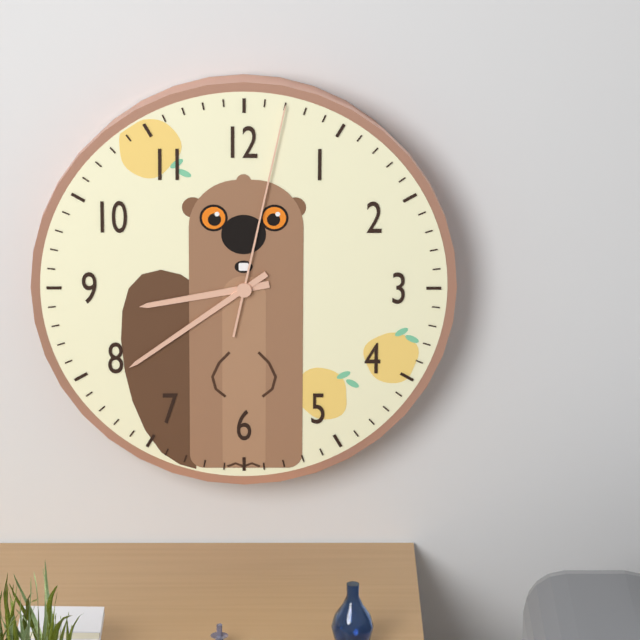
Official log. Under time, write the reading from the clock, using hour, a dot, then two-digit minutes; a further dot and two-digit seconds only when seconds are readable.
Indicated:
8.39.02
